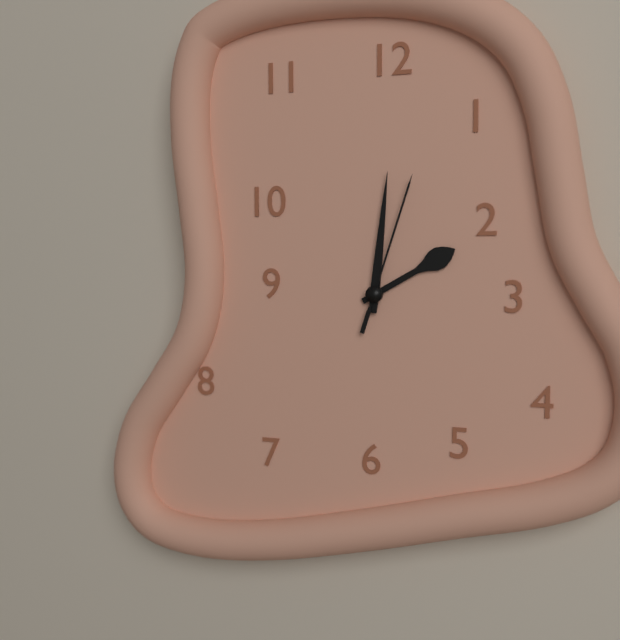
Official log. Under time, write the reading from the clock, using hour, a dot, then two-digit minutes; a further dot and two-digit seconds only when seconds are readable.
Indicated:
2.01.03
